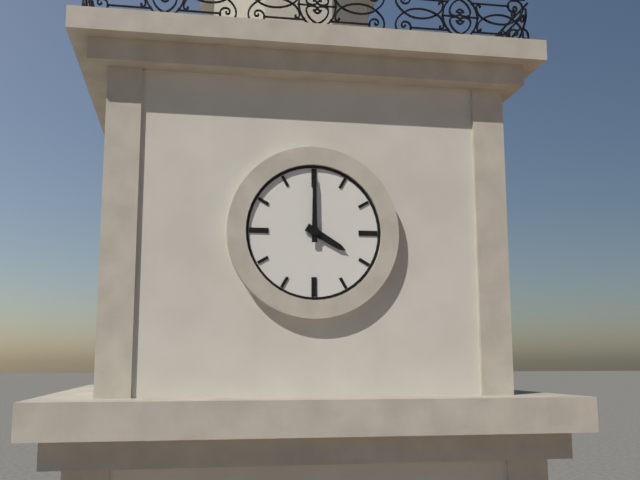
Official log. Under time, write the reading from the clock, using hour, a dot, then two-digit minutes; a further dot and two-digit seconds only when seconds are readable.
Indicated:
4.00
